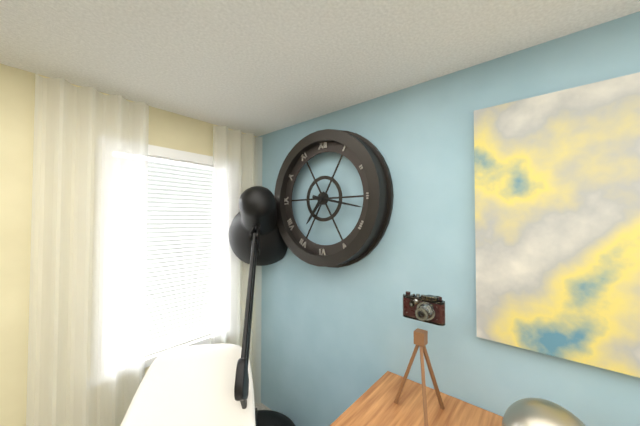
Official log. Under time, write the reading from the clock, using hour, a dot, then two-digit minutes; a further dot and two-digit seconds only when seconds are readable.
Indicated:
7.17
